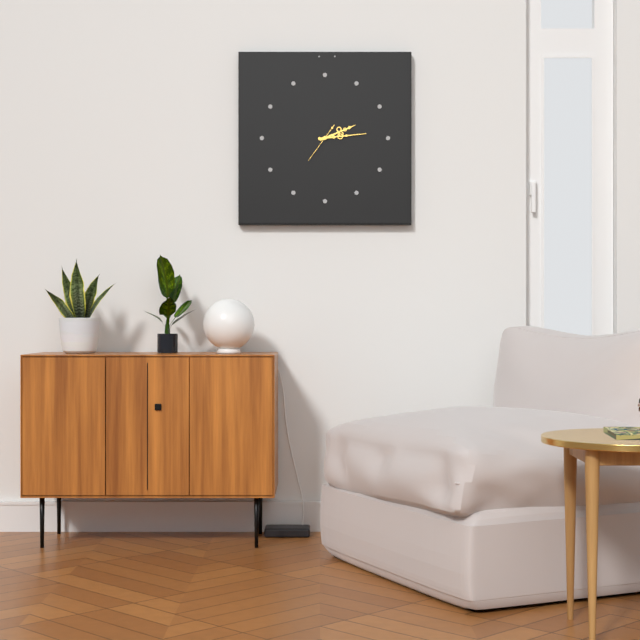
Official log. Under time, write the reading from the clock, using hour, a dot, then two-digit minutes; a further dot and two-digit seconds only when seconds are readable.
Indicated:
2.14
